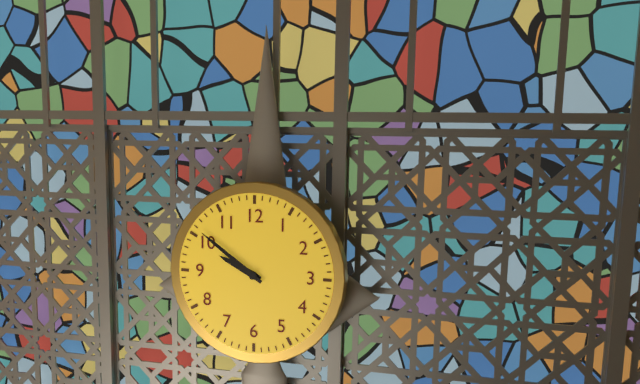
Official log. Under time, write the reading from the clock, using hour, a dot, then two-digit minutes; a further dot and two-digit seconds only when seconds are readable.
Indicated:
9.51
